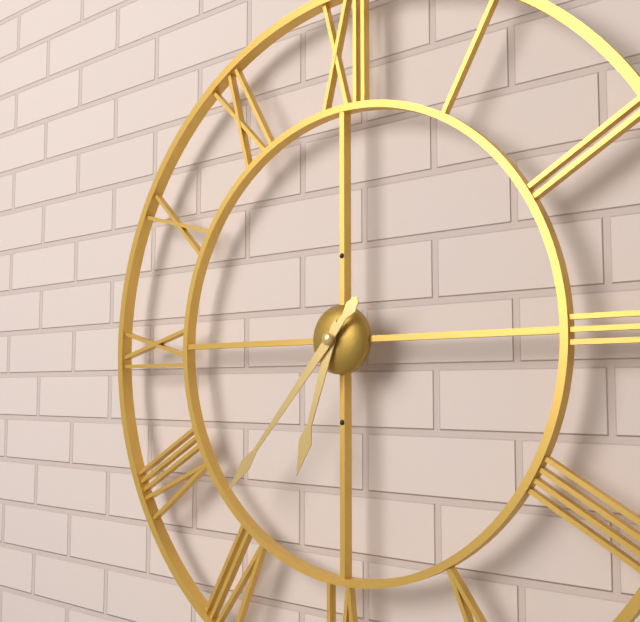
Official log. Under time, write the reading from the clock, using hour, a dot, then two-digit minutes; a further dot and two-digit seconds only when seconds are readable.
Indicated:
6.37
